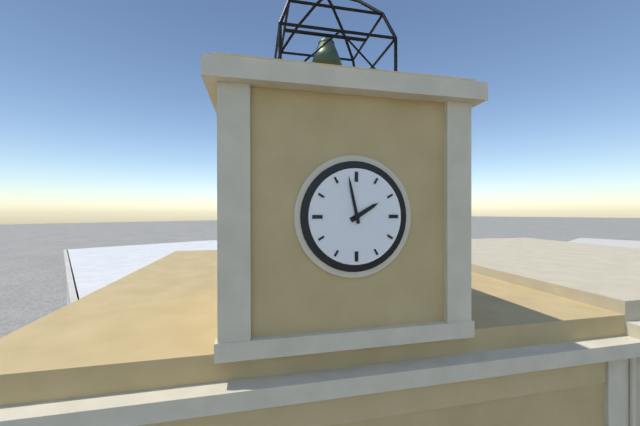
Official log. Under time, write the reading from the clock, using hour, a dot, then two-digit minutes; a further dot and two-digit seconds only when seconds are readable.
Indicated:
1.58
